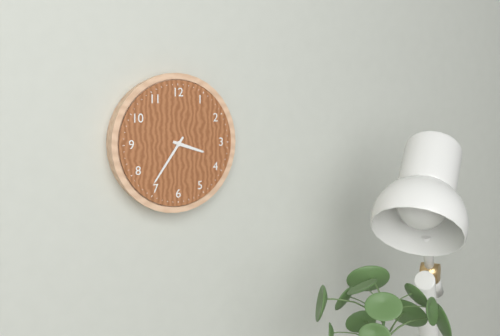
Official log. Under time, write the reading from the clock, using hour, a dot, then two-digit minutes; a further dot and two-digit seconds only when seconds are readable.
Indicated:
3.36
